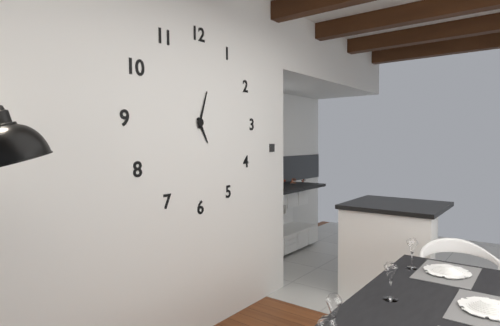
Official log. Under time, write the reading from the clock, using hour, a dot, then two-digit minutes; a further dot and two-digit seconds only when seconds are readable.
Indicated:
5.03
